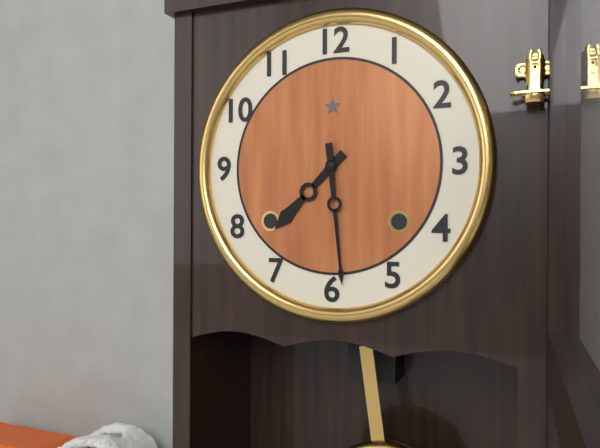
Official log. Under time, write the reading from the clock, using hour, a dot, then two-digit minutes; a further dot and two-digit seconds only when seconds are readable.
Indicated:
7.29
